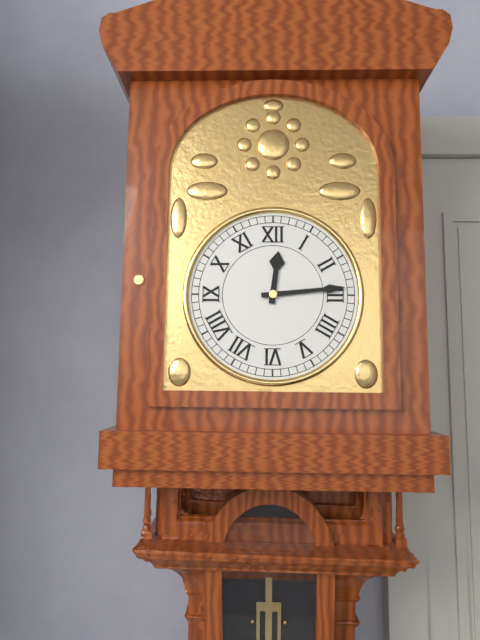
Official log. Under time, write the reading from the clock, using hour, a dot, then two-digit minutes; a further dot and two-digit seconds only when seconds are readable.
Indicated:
12.14
